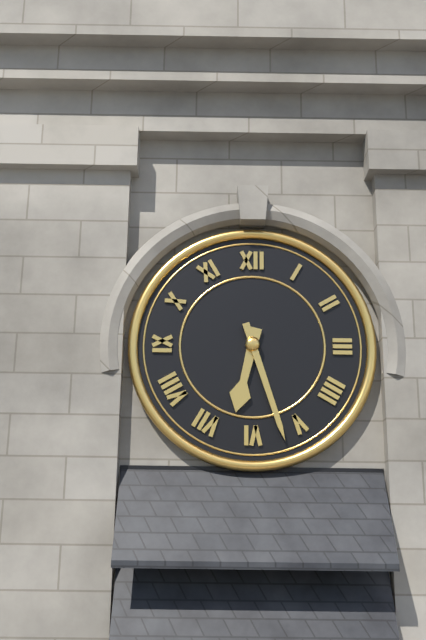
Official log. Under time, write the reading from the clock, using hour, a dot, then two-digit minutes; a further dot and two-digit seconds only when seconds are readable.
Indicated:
6.27
